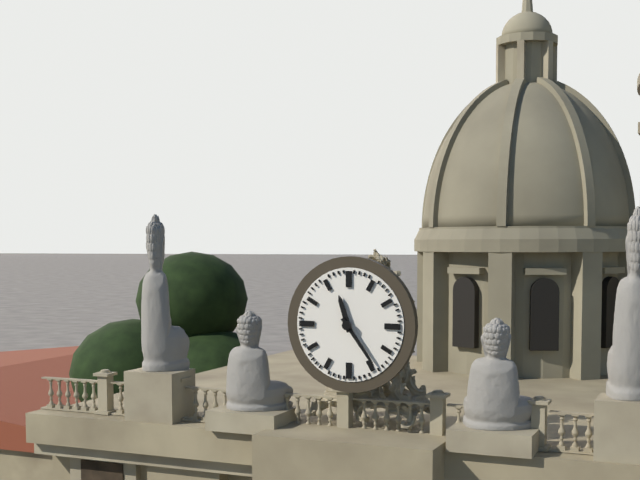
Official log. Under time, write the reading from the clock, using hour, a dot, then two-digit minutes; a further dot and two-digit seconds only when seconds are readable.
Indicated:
11.24
